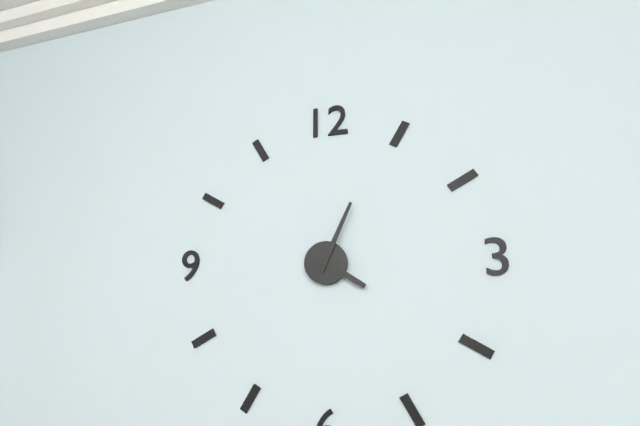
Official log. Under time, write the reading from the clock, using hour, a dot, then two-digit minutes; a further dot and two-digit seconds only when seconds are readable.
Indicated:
4.04
